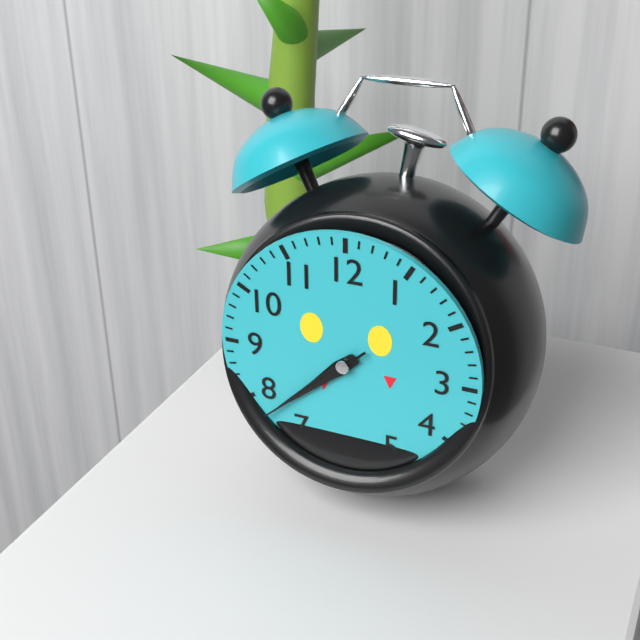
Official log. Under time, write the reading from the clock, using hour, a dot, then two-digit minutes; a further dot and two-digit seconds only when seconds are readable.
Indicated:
7.38.38
